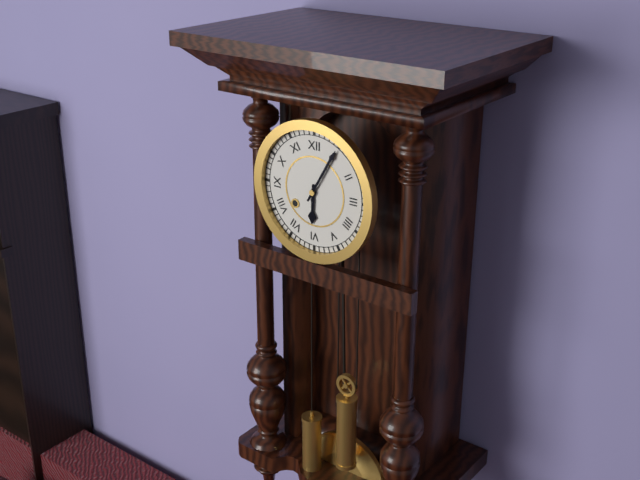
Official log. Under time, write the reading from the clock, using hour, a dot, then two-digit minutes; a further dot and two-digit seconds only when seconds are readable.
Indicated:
6.05
